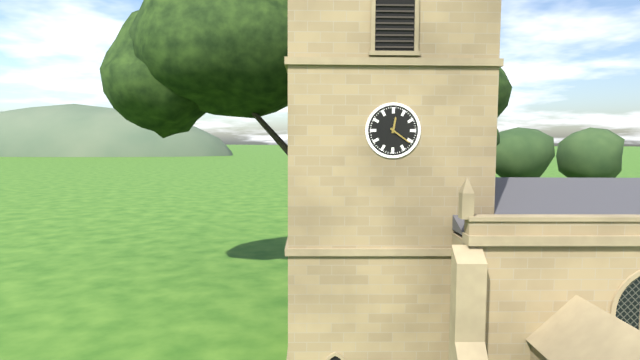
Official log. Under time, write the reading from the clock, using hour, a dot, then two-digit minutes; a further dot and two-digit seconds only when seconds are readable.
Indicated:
12.21
